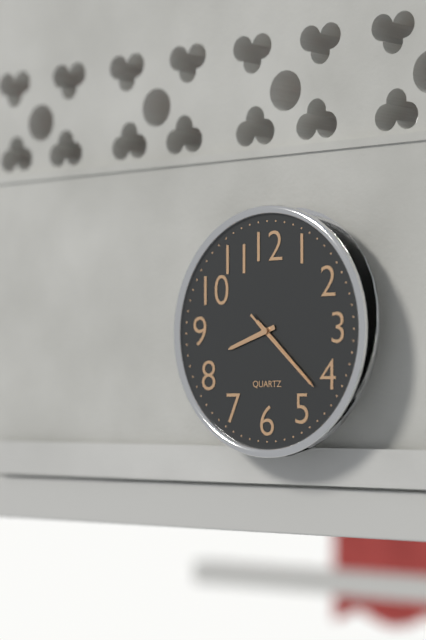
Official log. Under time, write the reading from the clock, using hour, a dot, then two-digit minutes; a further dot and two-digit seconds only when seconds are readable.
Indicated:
8.22.22
